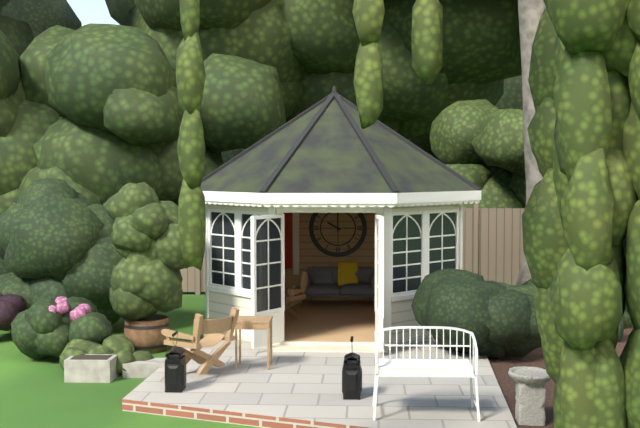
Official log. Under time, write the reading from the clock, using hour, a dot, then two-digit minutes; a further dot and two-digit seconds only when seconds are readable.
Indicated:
10.00
